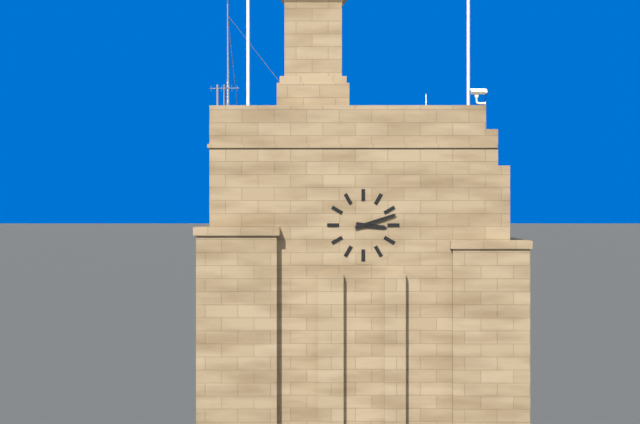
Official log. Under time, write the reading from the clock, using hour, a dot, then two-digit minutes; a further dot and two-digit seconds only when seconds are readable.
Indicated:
3.12
